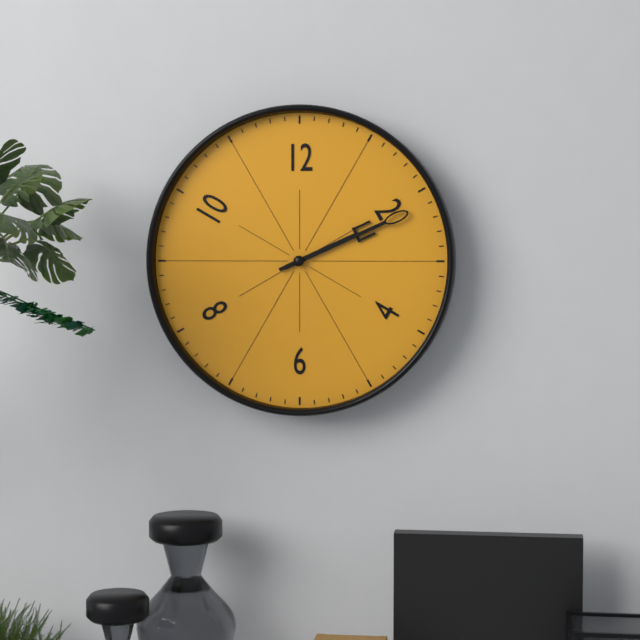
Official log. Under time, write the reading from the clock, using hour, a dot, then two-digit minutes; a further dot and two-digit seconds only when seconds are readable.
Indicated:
2.11
